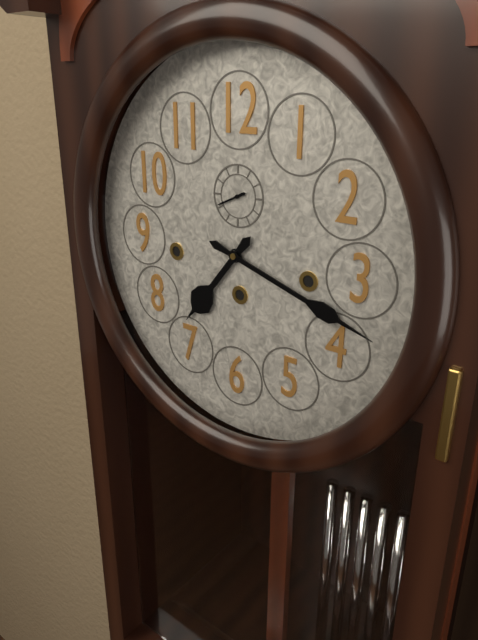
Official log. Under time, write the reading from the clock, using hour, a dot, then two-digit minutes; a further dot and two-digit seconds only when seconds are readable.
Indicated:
7.18
